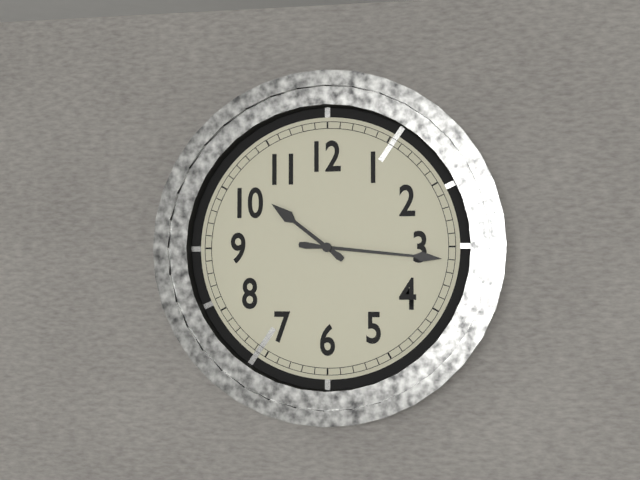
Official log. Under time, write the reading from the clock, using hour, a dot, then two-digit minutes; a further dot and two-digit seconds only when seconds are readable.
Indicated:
10.16
